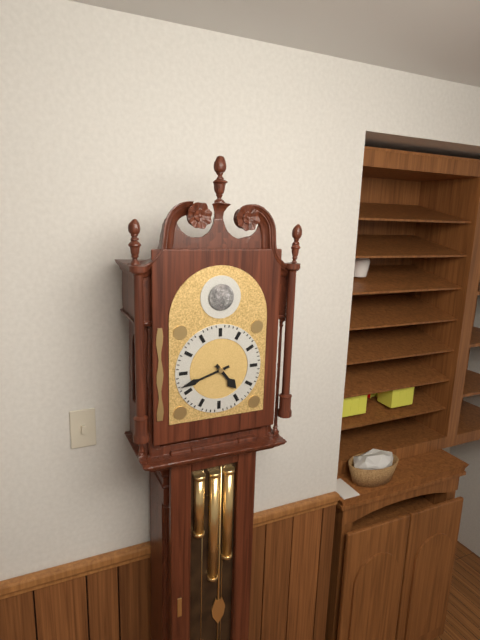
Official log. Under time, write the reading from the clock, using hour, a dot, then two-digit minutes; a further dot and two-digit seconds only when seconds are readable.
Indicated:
4.42
